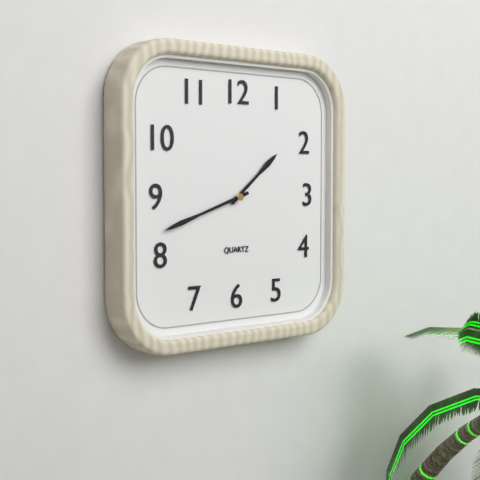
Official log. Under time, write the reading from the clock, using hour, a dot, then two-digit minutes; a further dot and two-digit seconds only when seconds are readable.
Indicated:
1.42
